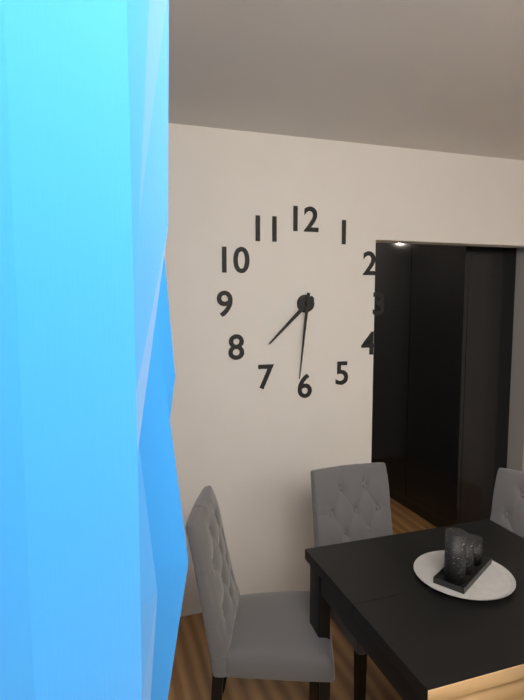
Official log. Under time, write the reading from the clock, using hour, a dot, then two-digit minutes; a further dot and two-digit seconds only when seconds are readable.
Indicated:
7.31
